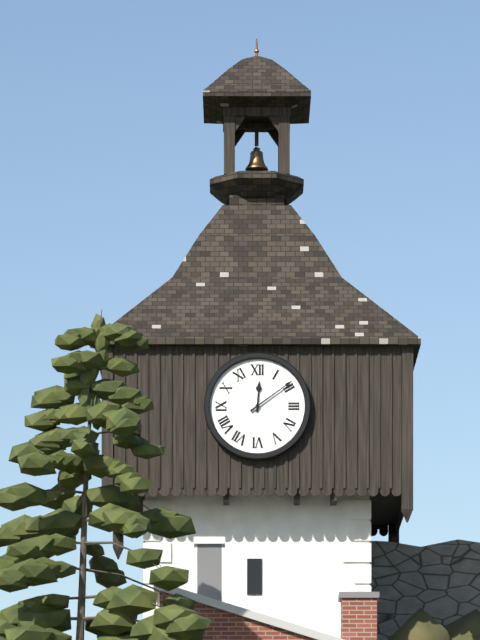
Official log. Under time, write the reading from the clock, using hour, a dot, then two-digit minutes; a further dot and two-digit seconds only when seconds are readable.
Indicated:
12.09
